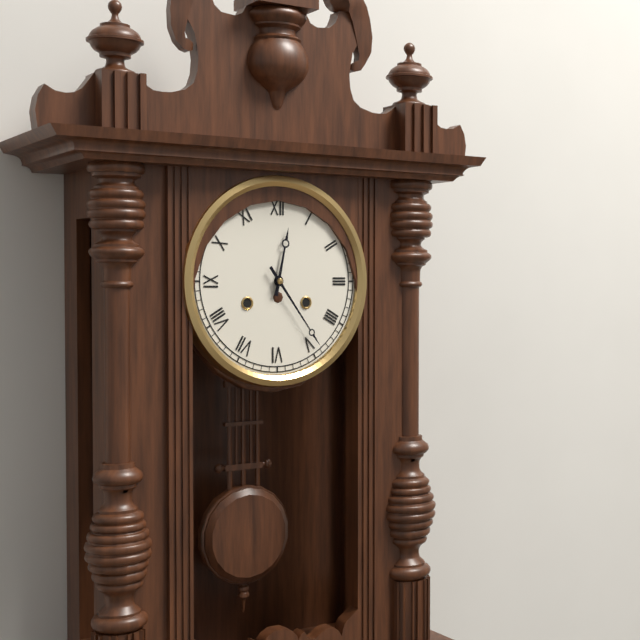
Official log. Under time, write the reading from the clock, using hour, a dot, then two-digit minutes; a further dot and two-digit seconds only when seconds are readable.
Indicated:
12.24
